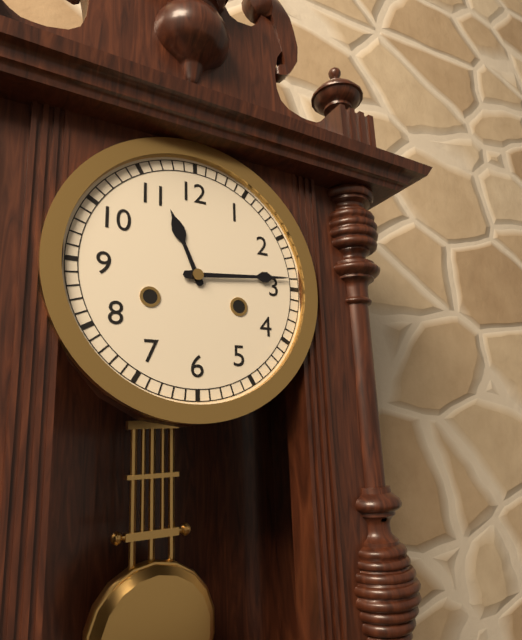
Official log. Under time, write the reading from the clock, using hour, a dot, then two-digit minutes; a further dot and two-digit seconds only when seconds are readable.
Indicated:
11.14
